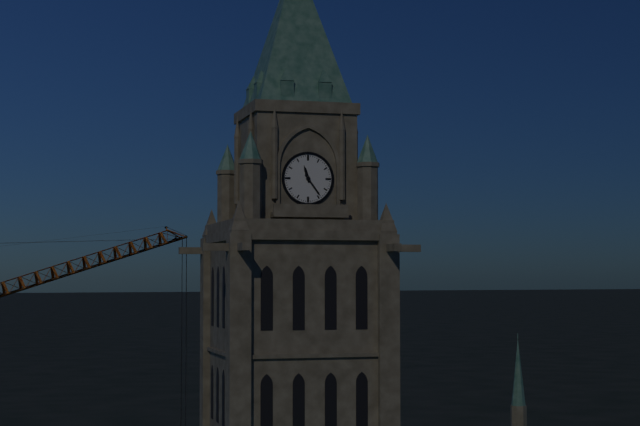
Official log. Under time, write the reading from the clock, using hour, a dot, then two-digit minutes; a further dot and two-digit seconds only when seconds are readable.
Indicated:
11.24
